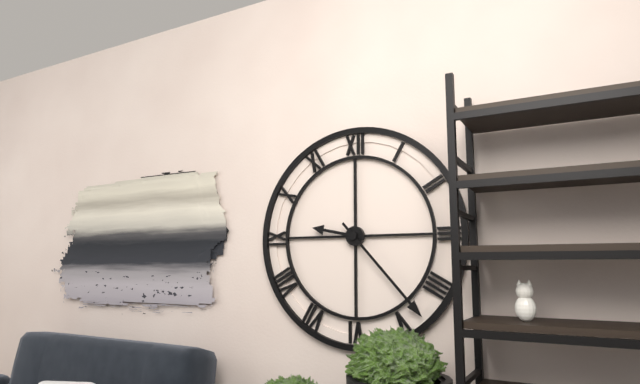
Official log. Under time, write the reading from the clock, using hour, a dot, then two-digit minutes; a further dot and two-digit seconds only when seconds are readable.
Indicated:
9.23
